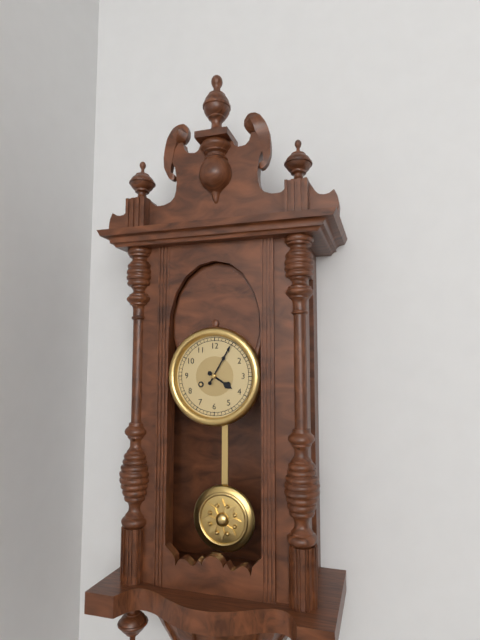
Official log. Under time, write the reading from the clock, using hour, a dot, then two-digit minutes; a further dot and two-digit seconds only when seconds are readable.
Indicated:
4.05
